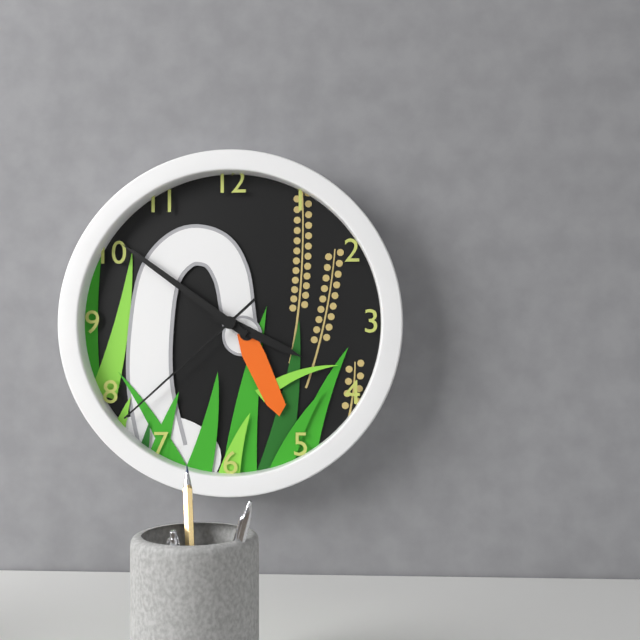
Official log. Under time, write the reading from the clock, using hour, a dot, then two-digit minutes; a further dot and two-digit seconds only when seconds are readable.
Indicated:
3.51.38
